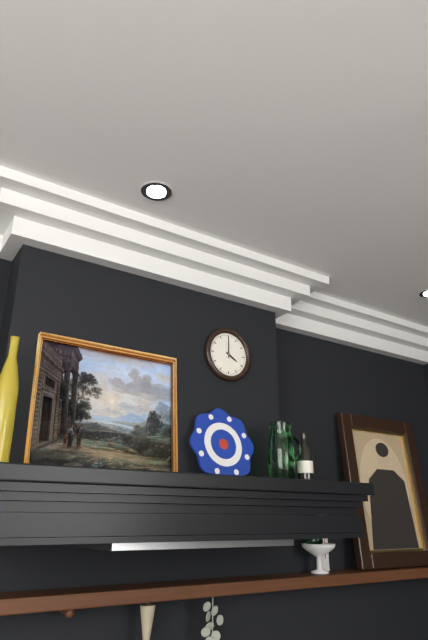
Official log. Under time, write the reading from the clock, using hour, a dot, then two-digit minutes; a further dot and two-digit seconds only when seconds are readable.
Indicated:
4.00
